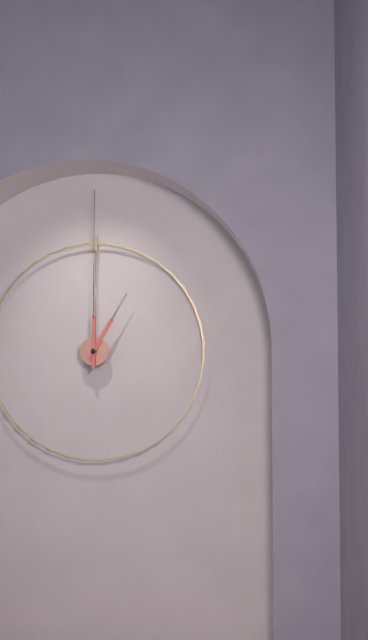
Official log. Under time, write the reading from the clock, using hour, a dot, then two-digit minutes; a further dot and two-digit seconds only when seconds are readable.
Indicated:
1.00
